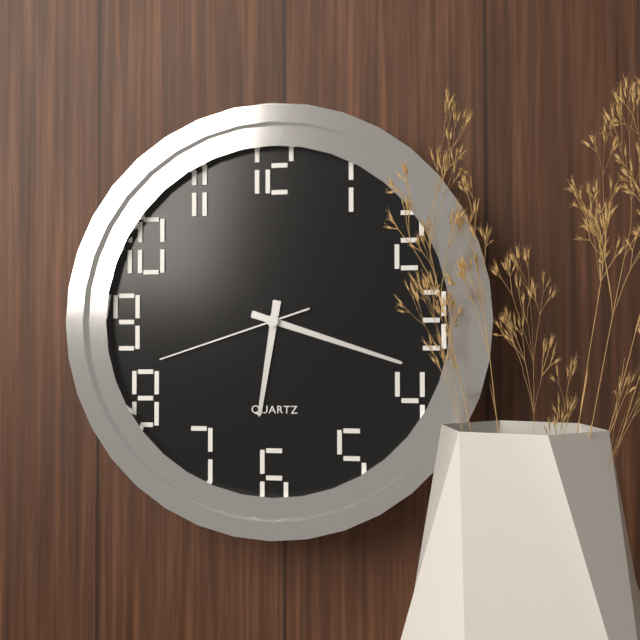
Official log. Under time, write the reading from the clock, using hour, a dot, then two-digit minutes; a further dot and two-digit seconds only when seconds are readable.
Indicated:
6.18.42
